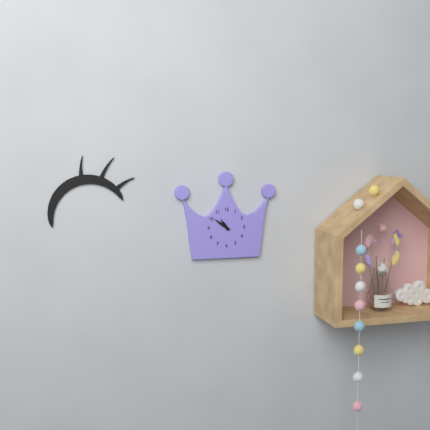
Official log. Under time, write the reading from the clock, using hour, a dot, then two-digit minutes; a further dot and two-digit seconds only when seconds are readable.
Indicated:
10.51
